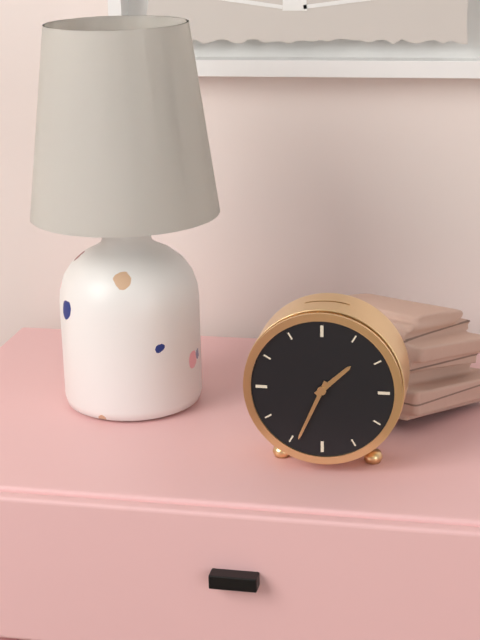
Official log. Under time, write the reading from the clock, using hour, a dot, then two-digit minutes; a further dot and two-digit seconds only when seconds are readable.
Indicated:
1.34
